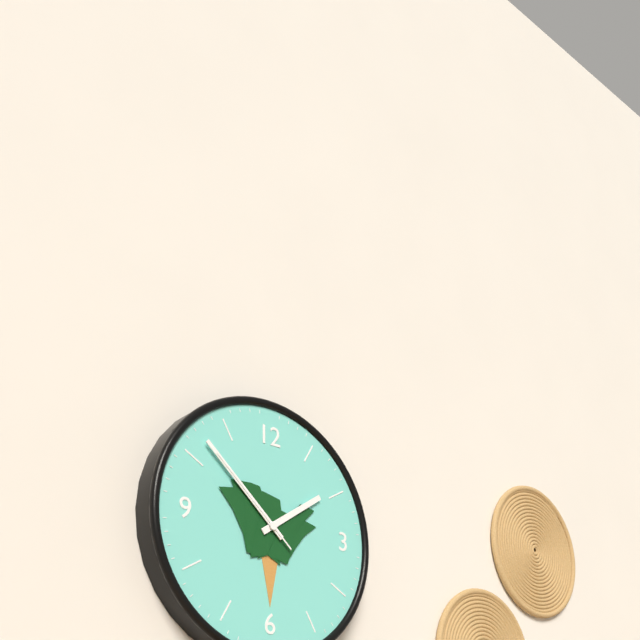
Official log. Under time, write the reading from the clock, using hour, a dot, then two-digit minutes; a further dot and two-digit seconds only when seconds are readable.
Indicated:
1.52.52
